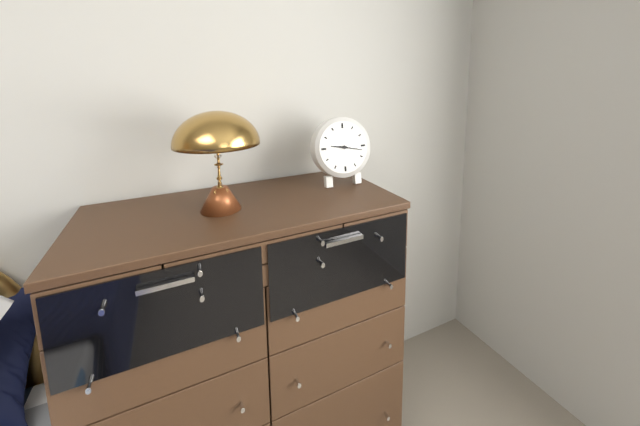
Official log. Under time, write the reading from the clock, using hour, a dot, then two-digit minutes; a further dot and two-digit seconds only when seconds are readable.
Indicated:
9.17
